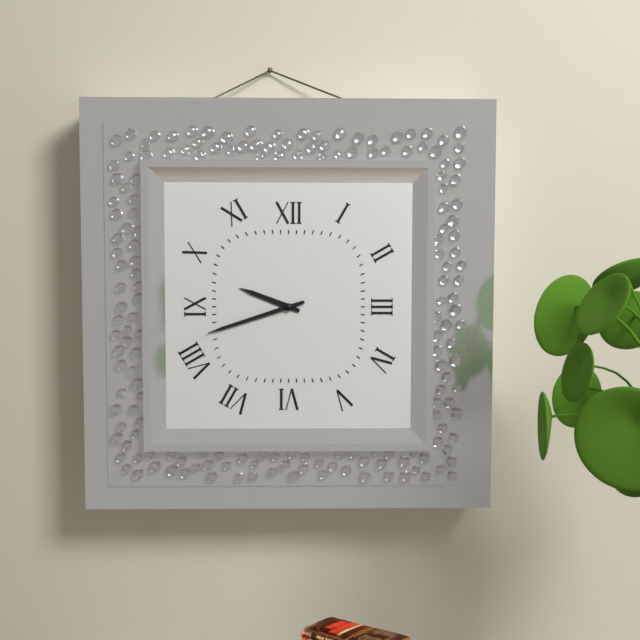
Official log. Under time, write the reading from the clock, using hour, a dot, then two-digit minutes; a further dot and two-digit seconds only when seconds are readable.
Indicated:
9.42
